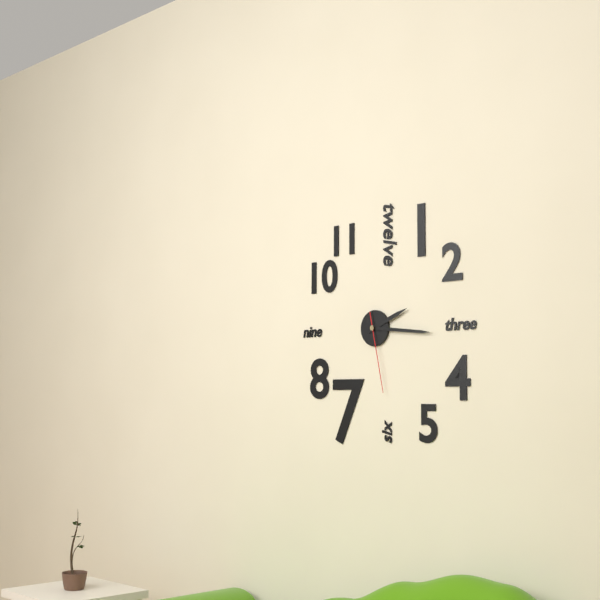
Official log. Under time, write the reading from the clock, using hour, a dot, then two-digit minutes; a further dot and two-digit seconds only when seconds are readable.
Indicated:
2.16.28
